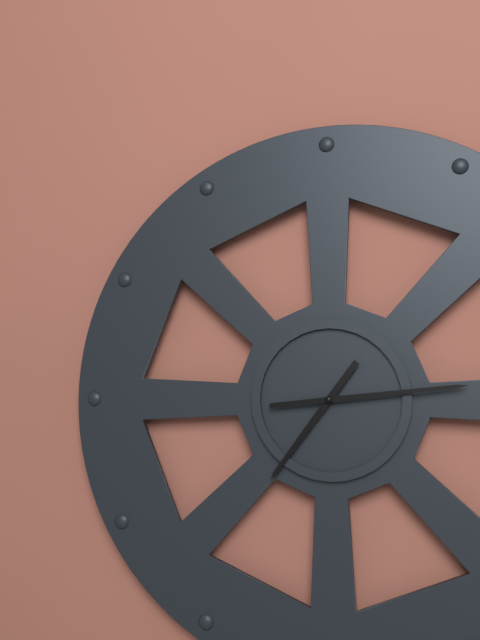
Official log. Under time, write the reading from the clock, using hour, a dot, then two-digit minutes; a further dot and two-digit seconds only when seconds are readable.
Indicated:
7.14
